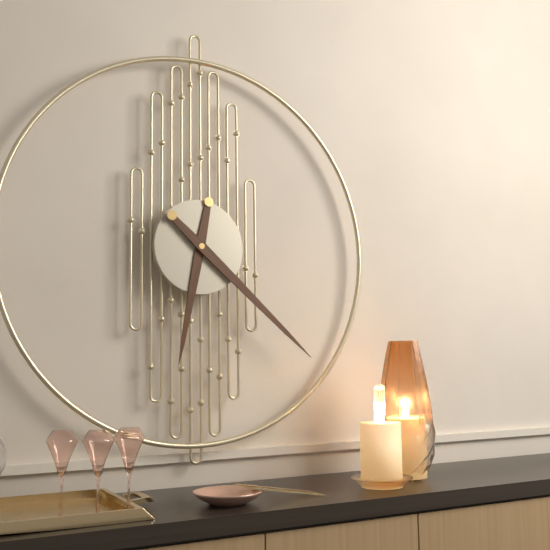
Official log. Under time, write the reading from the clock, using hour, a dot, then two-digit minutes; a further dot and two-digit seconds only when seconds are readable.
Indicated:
6.22
